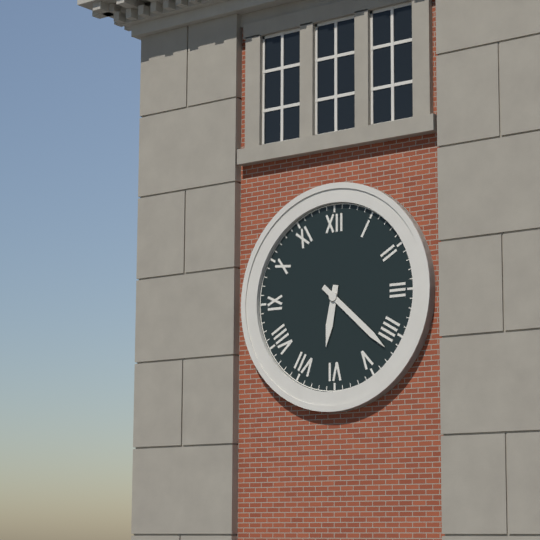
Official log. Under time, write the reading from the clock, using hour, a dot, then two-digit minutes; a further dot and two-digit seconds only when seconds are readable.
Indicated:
6.22
